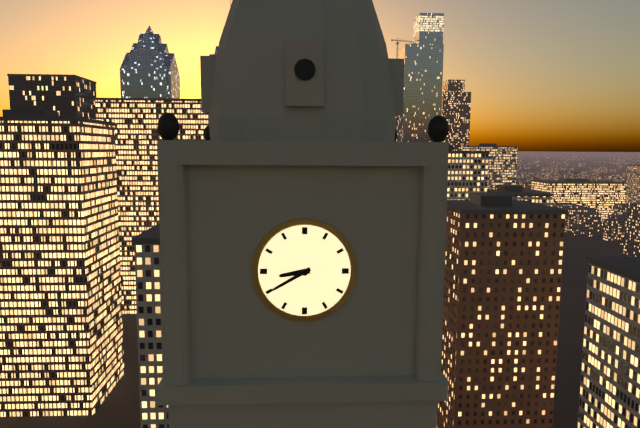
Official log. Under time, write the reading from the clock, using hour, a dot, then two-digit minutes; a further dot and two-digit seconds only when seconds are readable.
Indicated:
8.40
